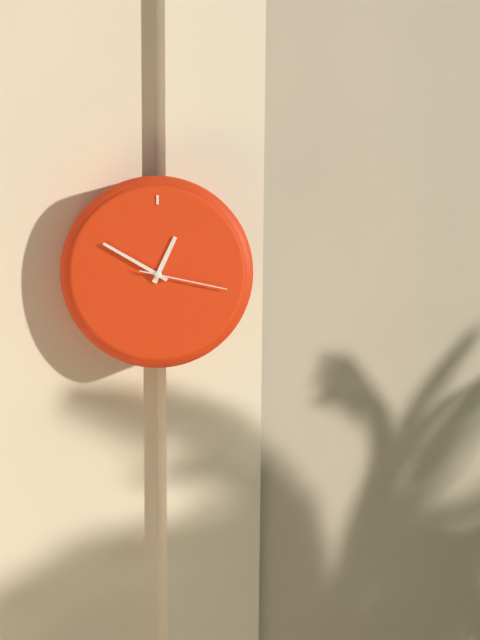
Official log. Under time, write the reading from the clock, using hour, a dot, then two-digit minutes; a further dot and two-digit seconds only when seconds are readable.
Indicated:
12.50.17
